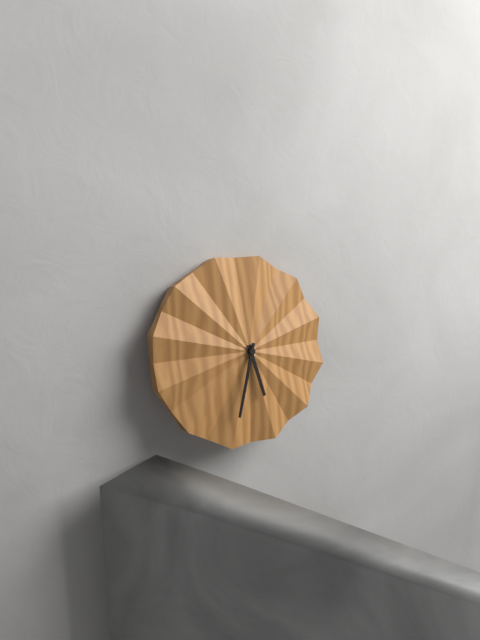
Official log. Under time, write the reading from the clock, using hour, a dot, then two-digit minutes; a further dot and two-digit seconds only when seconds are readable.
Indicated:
5.33
